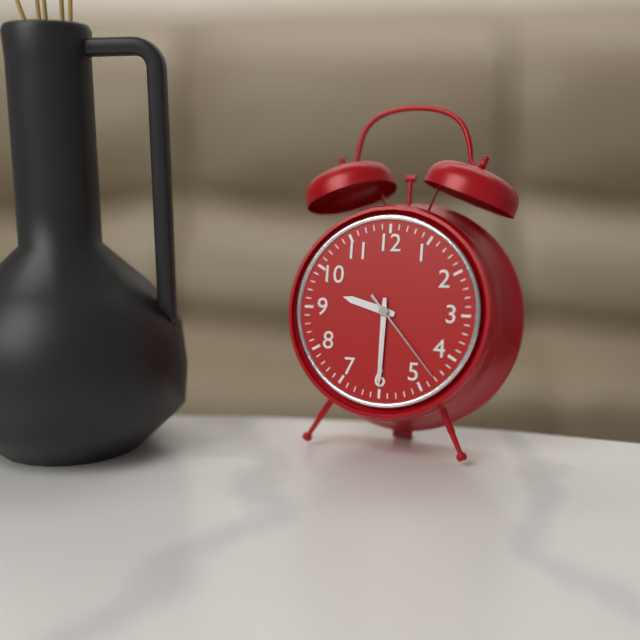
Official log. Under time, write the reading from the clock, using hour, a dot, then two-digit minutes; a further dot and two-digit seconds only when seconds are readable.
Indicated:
9.30.23
